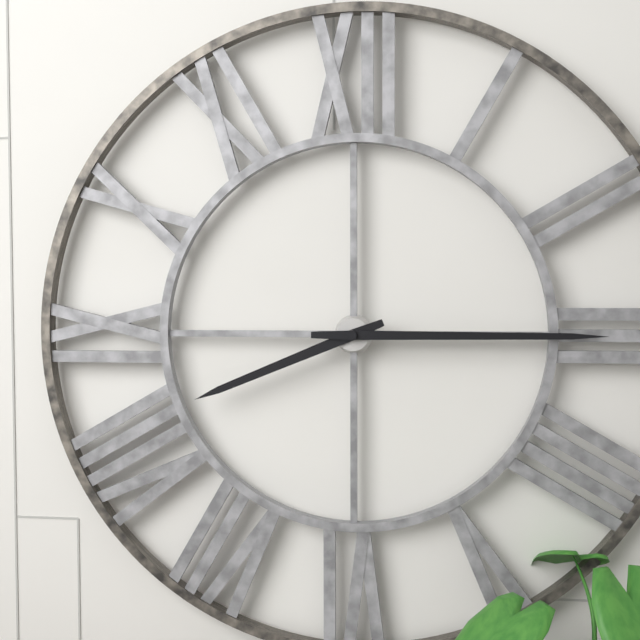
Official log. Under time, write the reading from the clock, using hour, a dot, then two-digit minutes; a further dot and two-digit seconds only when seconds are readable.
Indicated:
8.15
